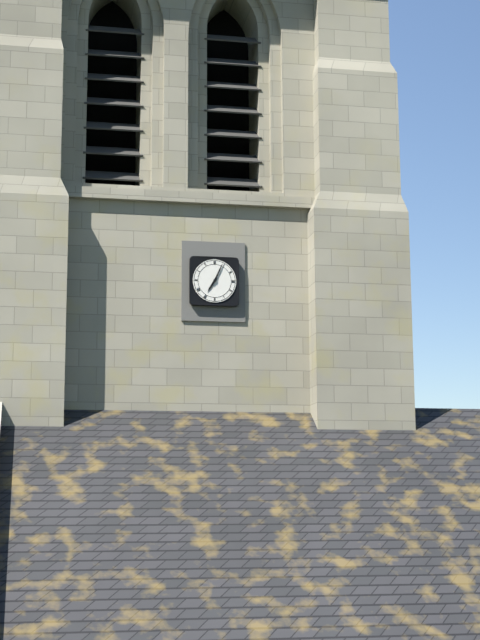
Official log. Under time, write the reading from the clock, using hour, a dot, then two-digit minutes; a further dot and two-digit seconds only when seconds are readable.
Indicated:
7.04
